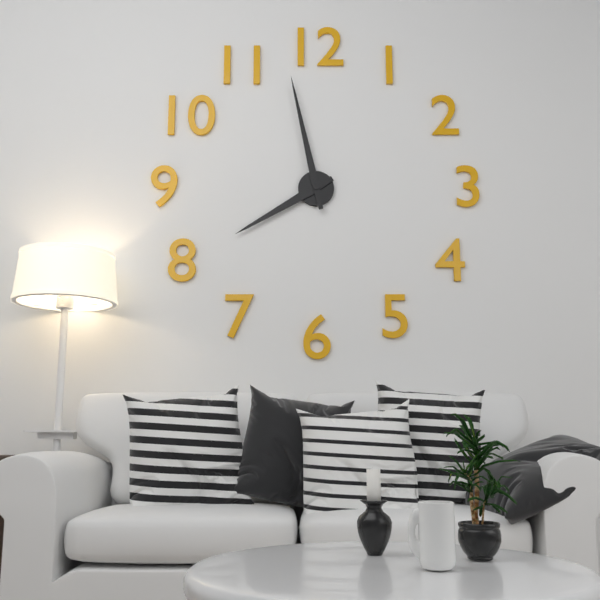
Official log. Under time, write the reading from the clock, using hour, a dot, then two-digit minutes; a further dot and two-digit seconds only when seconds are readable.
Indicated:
7.58
